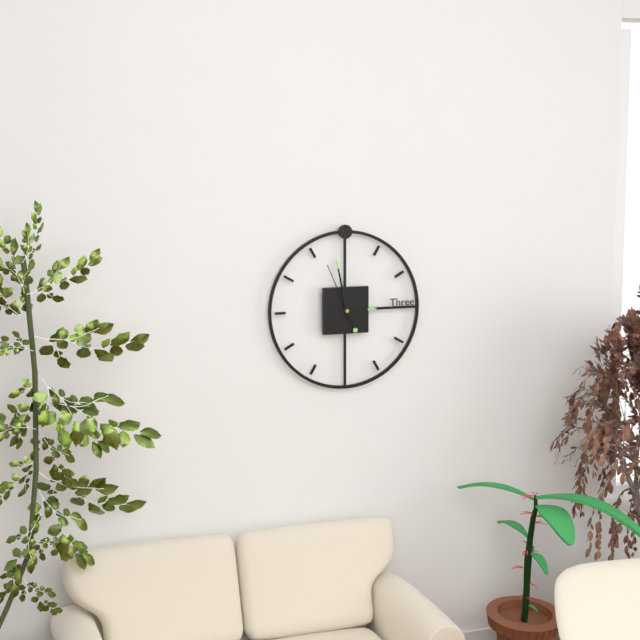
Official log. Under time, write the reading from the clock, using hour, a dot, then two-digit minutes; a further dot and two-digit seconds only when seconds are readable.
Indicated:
2.58.56
